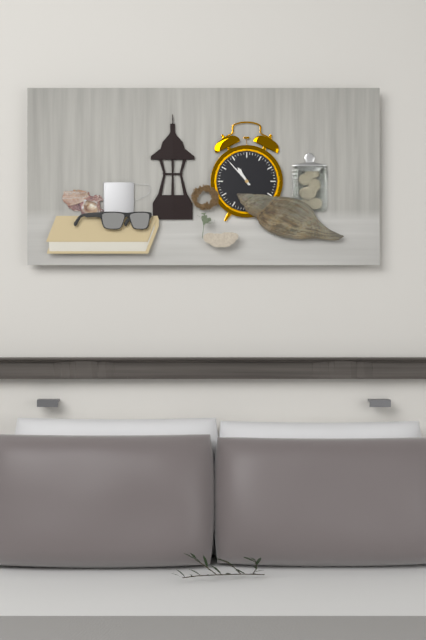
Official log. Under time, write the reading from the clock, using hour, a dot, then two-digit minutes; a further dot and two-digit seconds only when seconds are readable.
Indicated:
10.53
